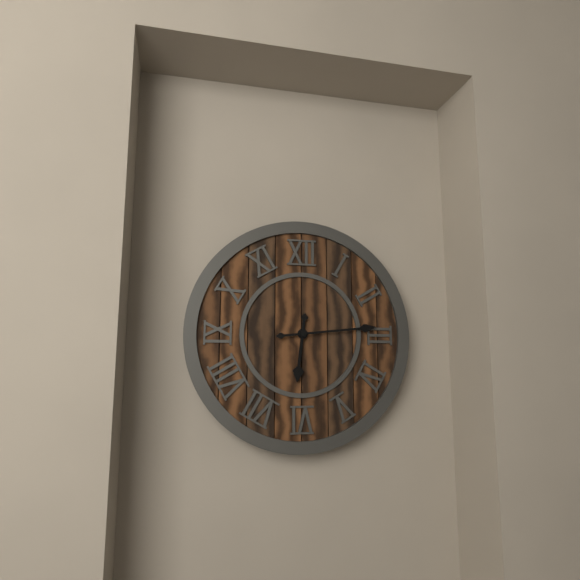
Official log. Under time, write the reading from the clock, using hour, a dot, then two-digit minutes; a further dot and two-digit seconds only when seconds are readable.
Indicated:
6.14
